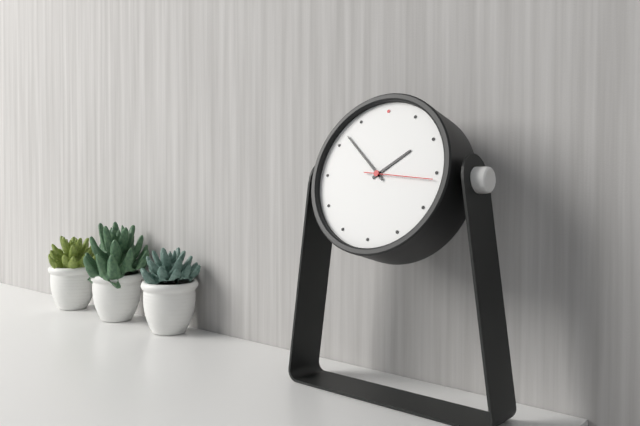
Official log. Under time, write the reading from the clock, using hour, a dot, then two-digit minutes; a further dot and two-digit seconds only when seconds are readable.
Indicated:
1.52.16
